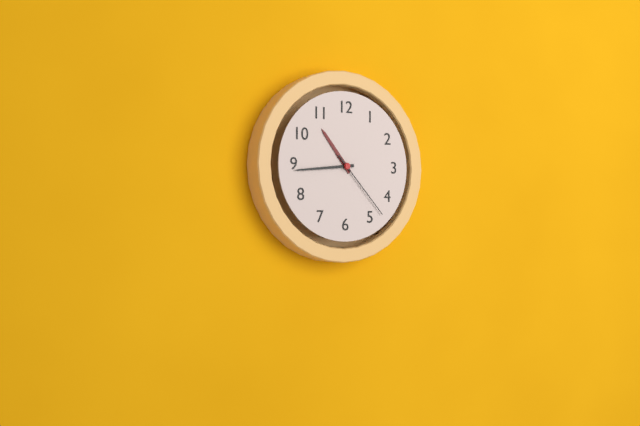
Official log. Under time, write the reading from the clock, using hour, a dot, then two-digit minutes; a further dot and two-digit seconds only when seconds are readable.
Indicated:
10.44.23
